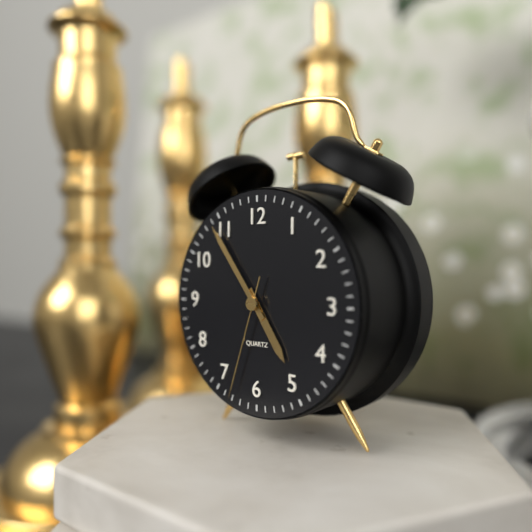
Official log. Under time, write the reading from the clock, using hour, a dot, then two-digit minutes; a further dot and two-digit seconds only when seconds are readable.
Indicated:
4.54.33
